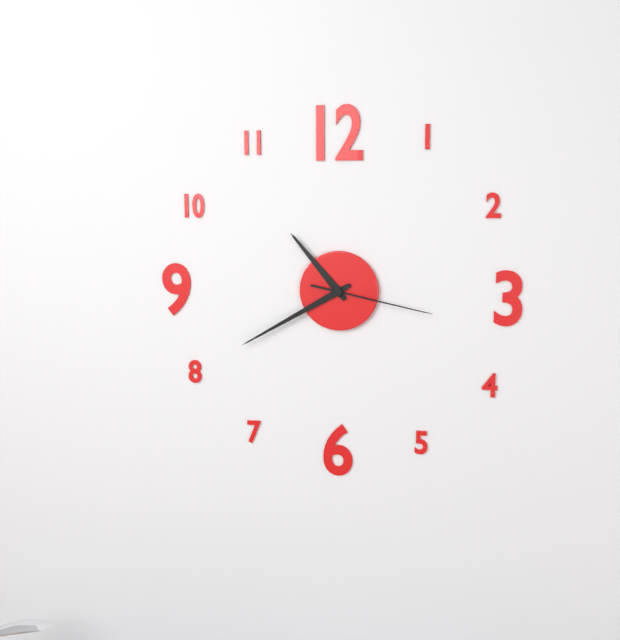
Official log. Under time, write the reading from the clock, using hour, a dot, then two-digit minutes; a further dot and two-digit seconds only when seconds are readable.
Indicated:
10.40.17
